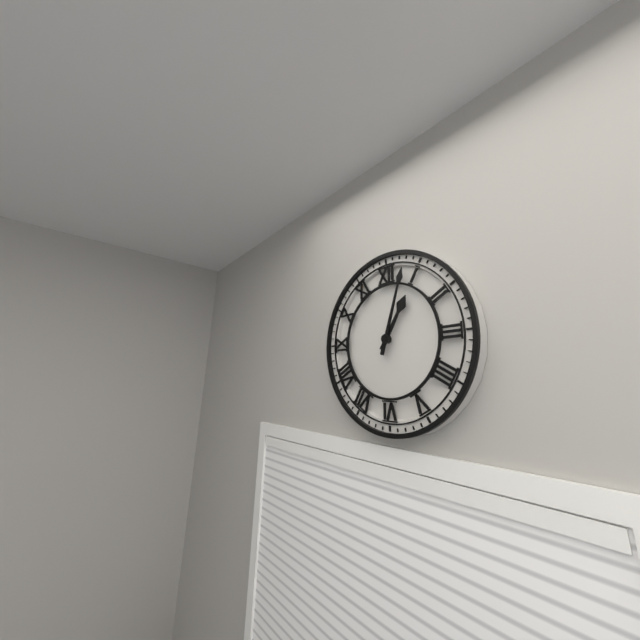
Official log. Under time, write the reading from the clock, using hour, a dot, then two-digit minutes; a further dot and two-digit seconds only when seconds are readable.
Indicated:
1.03
